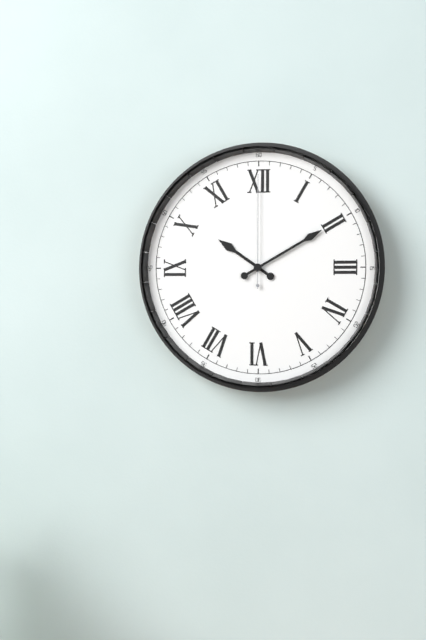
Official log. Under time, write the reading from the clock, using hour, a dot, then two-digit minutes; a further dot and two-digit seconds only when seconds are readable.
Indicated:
10.10.00
